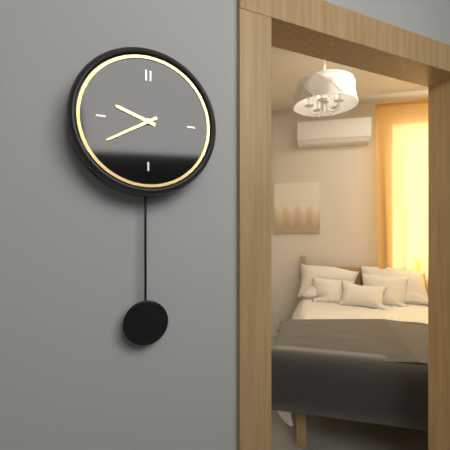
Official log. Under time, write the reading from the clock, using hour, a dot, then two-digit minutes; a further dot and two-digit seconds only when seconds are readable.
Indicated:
9.40
